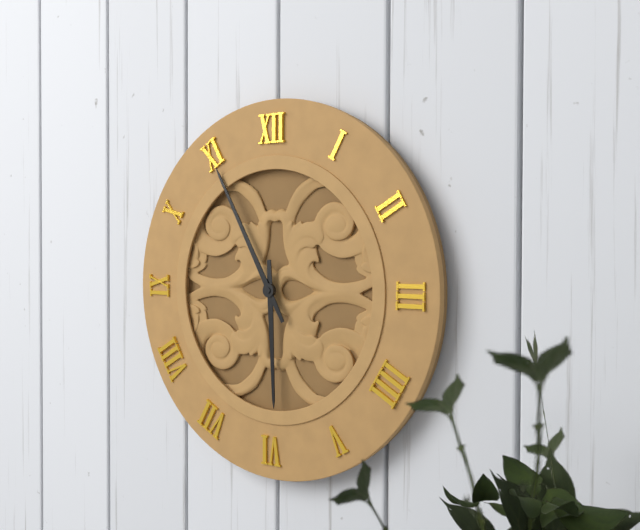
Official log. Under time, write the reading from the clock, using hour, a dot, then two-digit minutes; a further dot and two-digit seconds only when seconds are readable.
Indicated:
5.55
